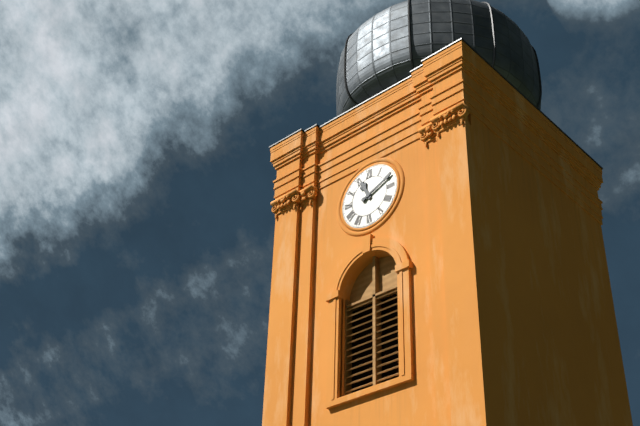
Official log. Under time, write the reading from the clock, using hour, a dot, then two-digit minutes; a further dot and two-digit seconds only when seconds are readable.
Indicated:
11.11
